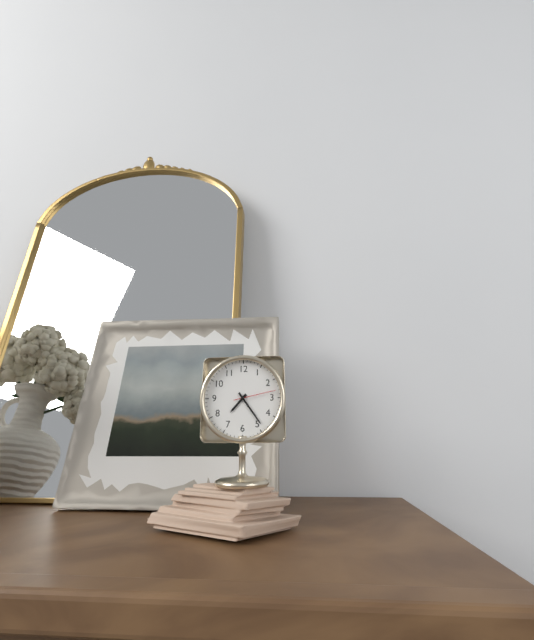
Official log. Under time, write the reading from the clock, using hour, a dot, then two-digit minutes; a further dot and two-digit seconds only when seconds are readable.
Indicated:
7.24
